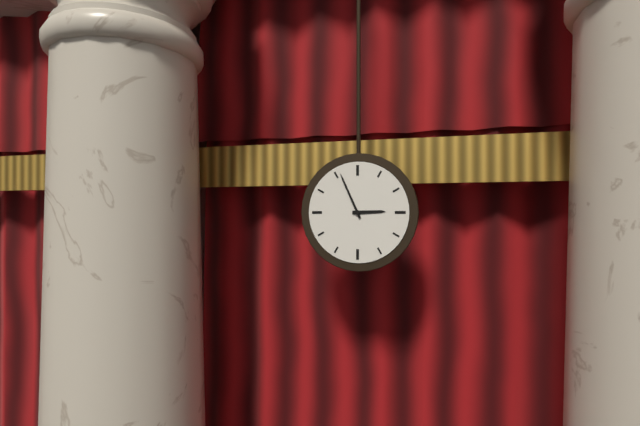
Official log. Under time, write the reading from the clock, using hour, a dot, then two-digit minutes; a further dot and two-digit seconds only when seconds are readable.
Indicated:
2.56
